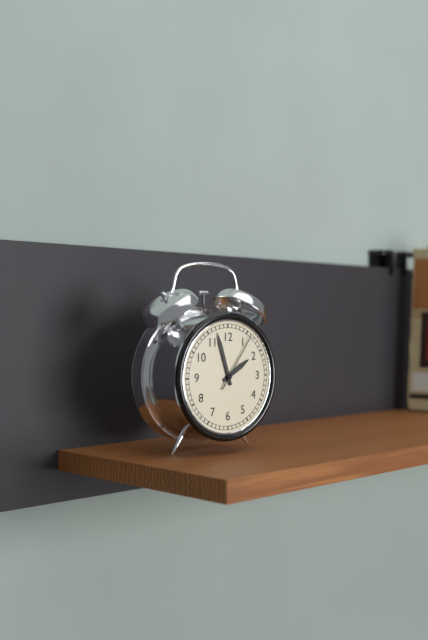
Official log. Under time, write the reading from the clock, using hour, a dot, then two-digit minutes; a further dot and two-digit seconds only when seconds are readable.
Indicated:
1.57.06
